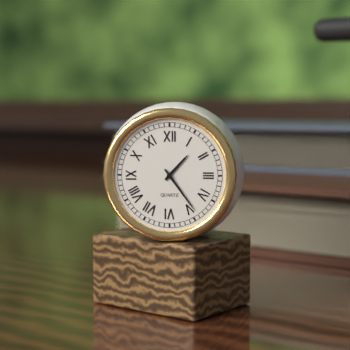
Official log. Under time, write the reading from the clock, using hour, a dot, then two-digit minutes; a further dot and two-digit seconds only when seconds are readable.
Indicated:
1.24
